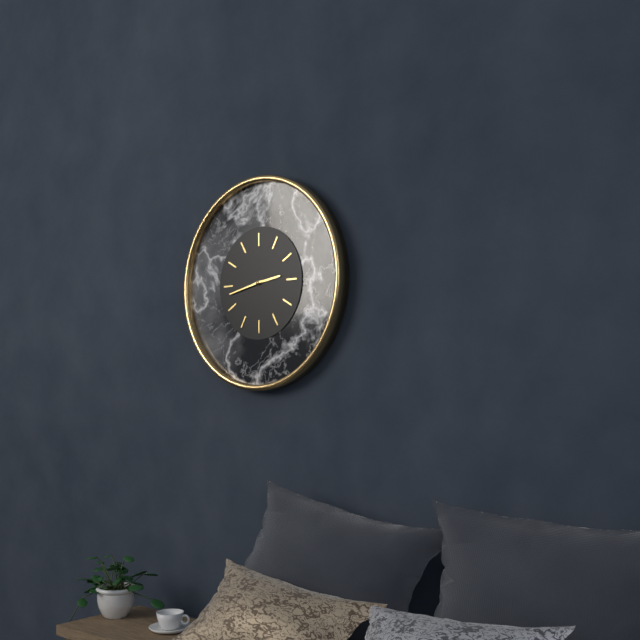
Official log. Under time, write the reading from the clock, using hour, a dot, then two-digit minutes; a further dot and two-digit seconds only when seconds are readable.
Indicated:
2.43
